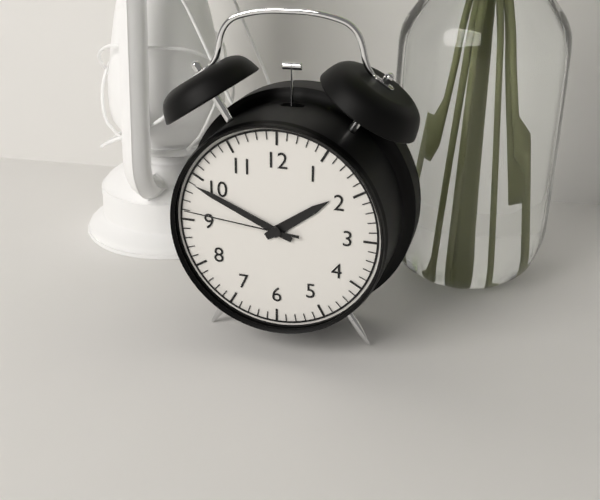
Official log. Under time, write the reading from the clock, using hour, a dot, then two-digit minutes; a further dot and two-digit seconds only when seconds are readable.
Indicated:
1.49.46
